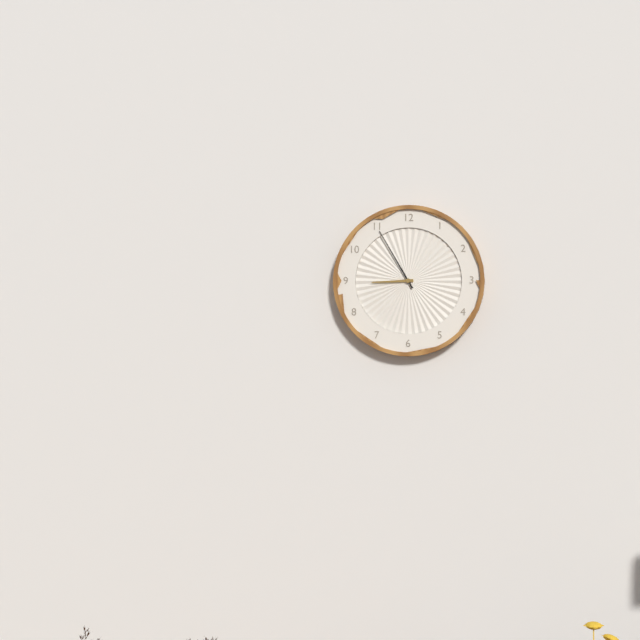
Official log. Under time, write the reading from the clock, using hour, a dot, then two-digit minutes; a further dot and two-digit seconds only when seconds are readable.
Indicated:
8.55
